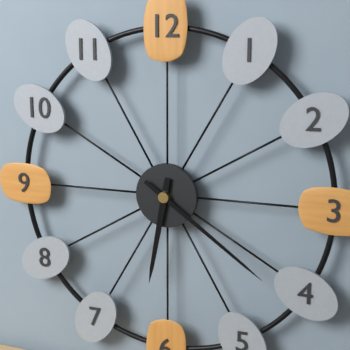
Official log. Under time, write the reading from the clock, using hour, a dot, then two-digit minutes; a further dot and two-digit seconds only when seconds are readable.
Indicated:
6.21
